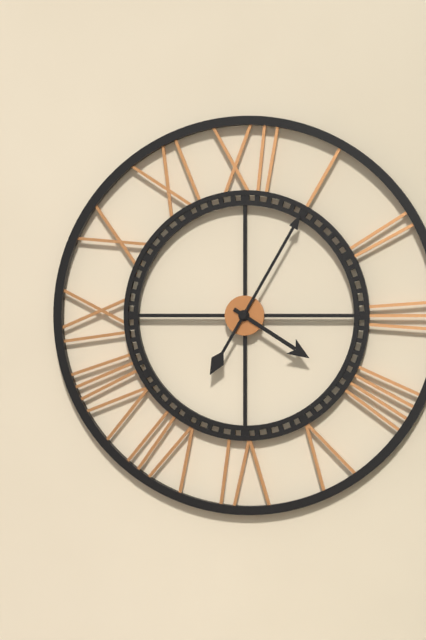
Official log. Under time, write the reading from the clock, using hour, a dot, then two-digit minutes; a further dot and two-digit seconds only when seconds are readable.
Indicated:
4.05
